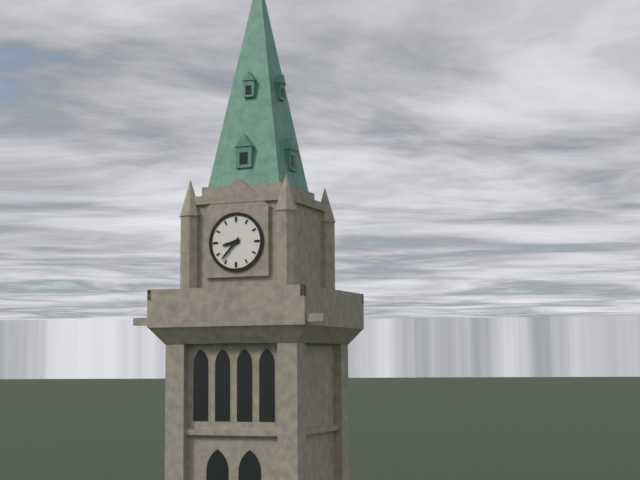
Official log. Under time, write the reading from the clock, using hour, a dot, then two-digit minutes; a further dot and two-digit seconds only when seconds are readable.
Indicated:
8.37
